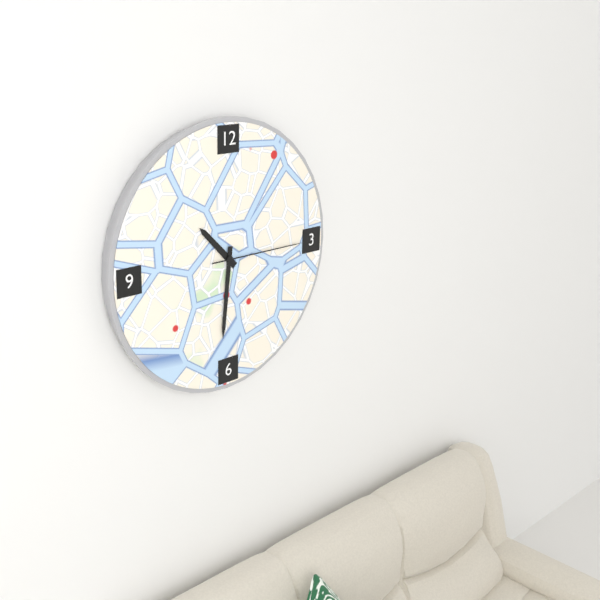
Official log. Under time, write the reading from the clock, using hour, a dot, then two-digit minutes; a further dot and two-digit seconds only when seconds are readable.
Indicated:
10.31.15
